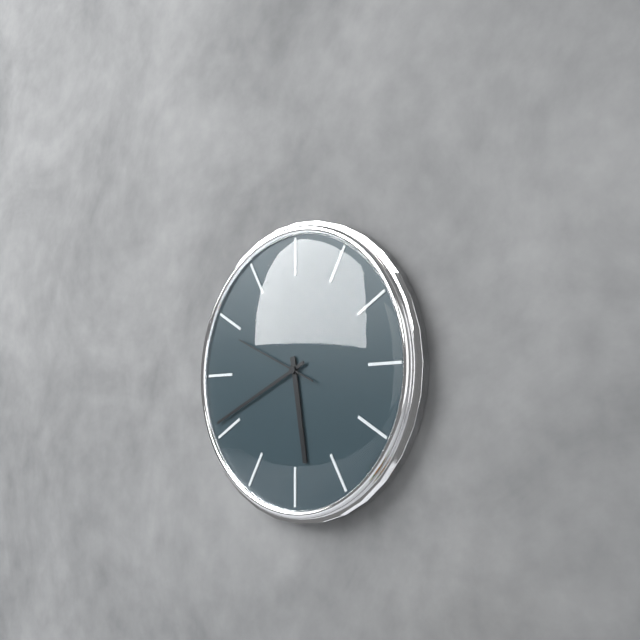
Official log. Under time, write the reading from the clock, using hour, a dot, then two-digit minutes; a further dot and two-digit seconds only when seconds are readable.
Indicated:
5.41.49
